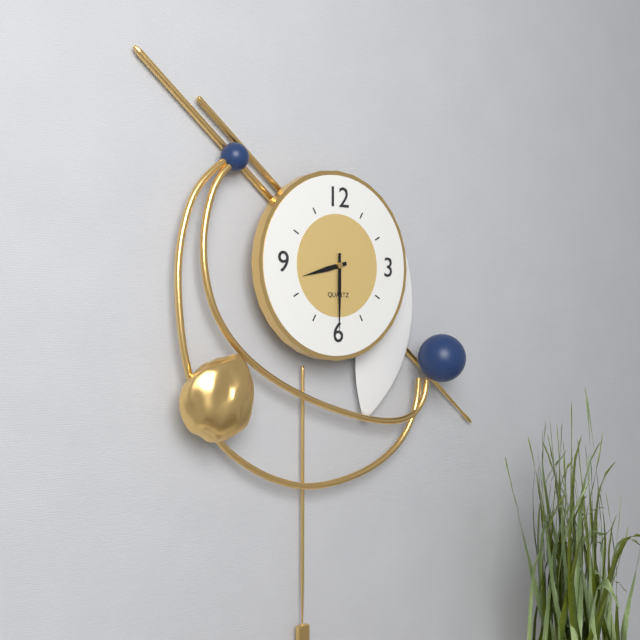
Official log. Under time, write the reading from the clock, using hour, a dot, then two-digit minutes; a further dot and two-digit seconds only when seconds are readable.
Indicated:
8.30
